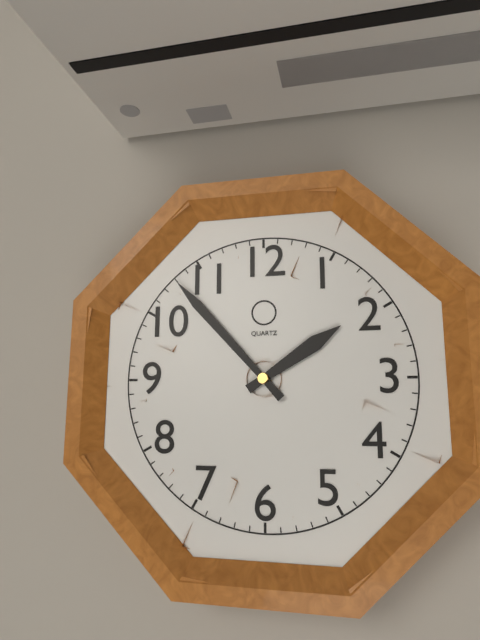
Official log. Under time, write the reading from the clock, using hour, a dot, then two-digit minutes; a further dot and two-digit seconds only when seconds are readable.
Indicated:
1.53
